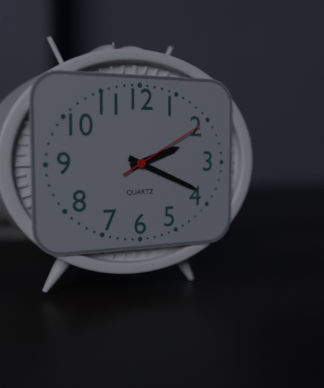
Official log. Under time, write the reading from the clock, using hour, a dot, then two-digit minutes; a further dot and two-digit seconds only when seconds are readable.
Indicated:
2.19.10
